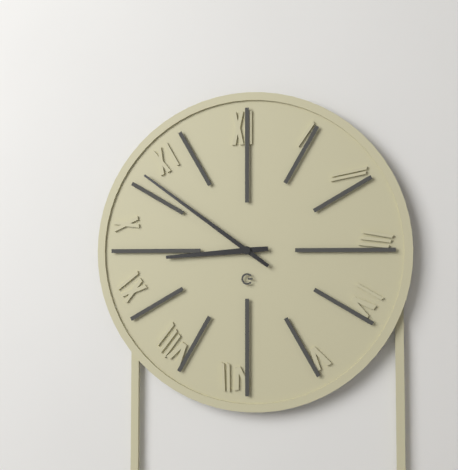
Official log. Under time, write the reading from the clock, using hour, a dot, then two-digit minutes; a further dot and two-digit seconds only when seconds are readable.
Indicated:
8.51
